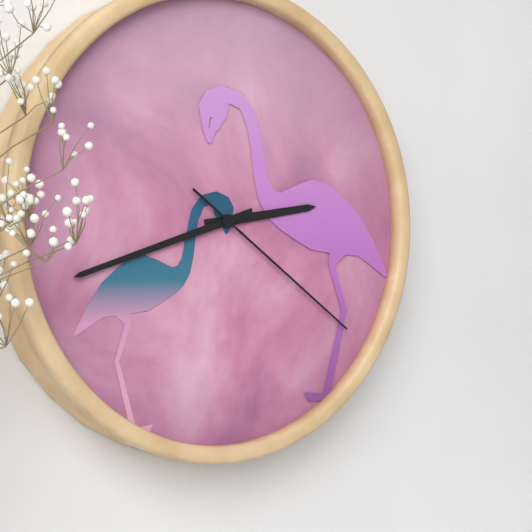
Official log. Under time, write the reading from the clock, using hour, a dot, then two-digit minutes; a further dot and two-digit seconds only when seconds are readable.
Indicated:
2.42.21
